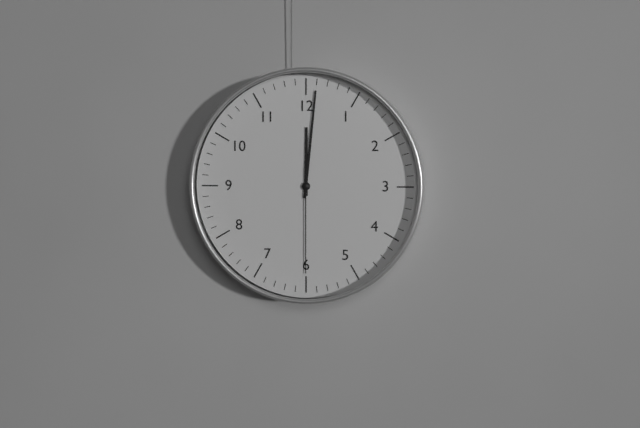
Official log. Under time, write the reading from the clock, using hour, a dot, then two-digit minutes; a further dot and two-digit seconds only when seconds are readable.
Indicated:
12.01.30
